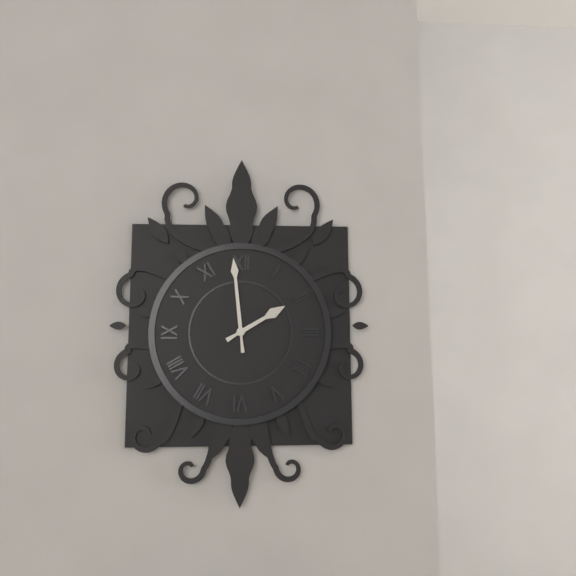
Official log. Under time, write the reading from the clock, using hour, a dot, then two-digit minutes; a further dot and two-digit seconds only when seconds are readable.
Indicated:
1.59
